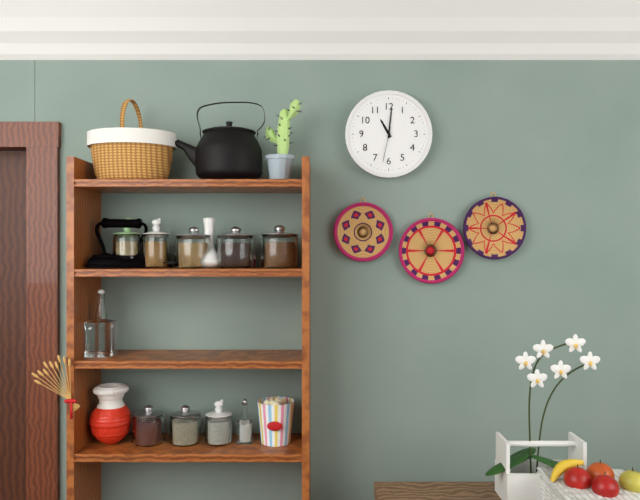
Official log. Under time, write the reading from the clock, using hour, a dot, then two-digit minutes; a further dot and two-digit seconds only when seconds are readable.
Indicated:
11.01
